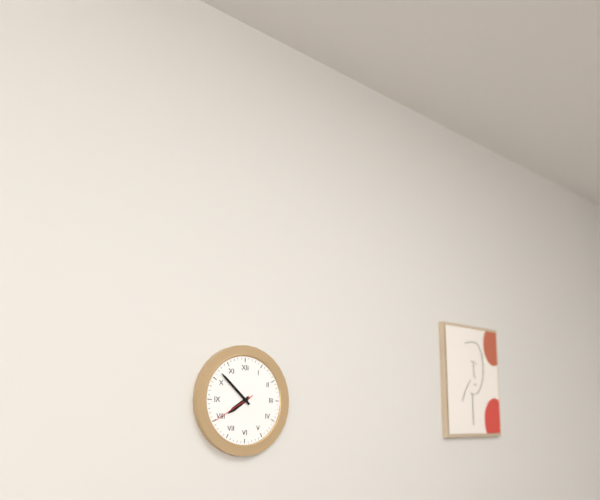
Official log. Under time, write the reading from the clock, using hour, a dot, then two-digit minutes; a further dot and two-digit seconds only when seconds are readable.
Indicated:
7.52
